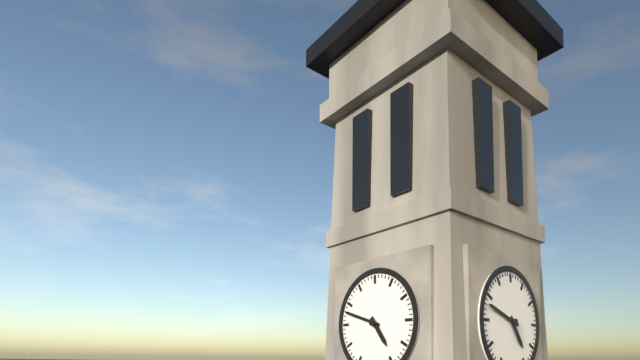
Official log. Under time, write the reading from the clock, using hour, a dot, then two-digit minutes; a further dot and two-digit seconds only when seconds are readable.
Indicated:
4.48
